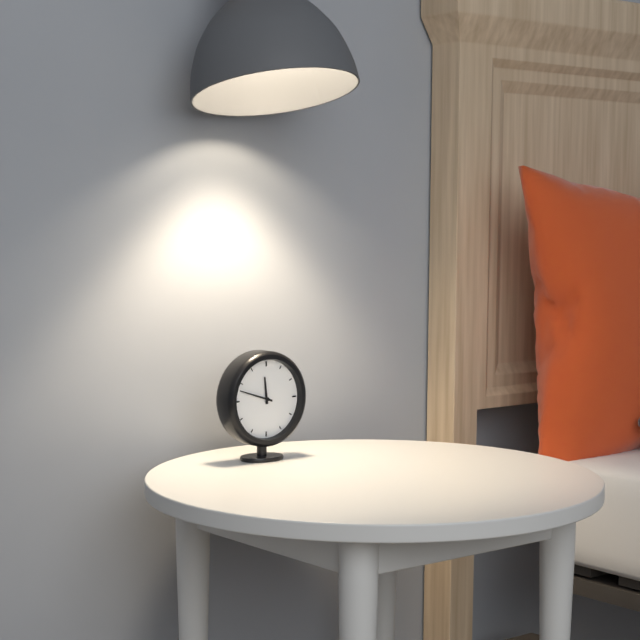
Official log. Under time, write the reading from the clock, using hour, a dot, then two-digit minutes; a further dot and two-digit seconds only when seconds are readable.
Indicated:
11.48
